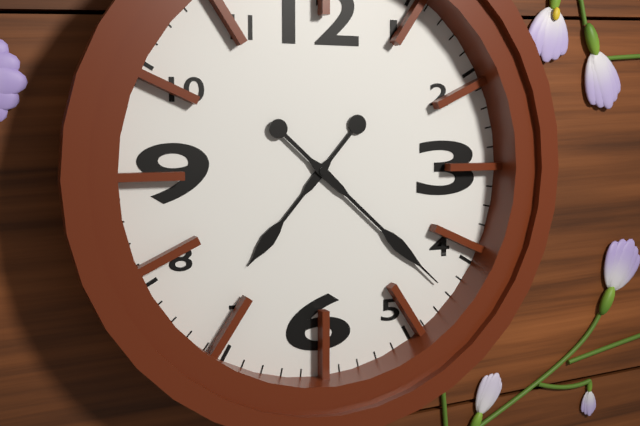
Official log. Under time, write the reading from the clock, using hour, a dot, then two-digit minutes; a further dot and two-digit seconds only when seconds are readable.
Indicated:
7.22
